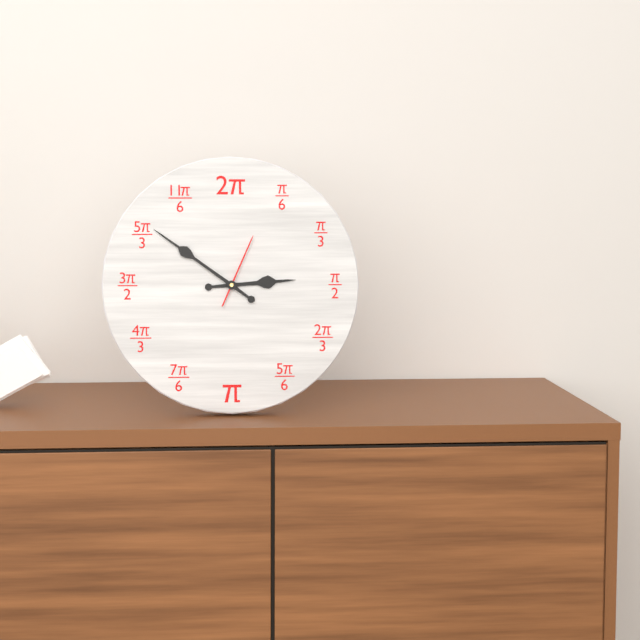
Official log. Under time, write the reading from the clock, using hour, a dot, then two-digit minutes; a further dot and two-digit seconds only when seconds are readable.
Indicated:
2.51.04
